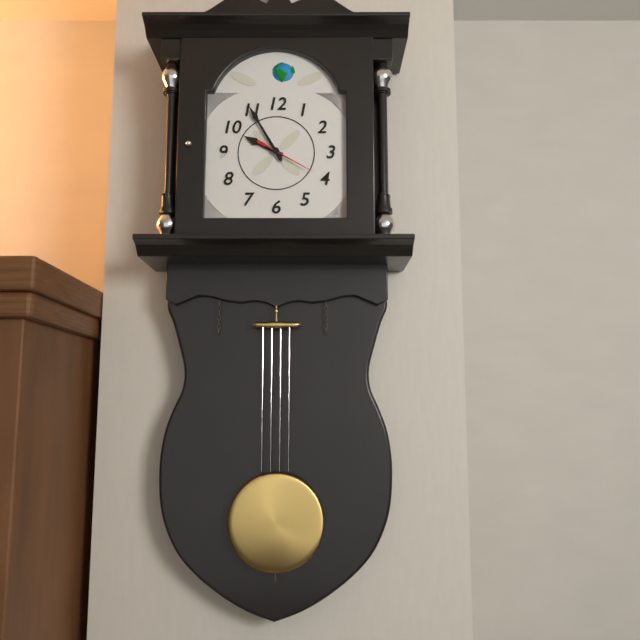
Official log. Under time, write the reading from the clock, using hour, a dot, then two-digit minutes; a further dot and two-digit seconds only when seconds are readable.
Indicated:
9.55.20
